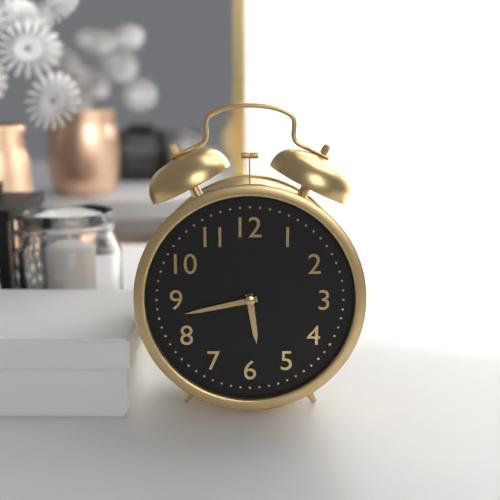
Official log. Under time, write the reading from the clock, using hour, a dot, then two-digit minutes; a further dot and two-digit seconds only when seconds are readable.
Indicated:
5.43
